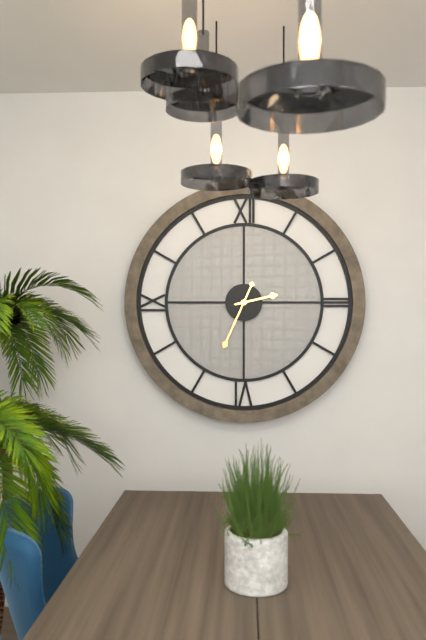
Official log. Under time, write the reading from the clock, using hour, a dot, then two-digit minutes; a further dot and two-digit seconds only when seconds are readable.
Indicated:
2.34
